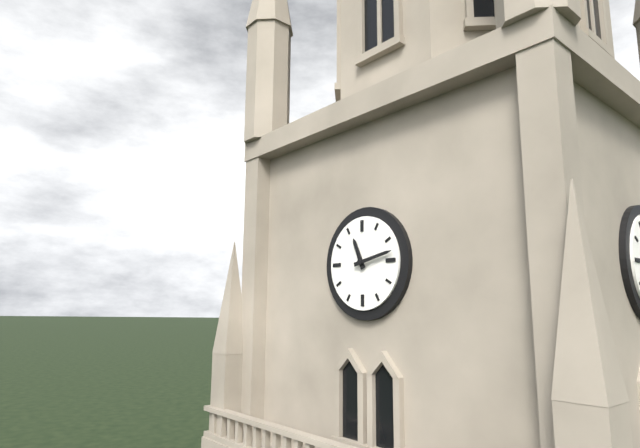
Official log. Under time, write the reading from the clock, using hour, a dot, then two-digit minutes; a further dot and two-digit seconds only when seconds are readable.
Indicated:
11.13
